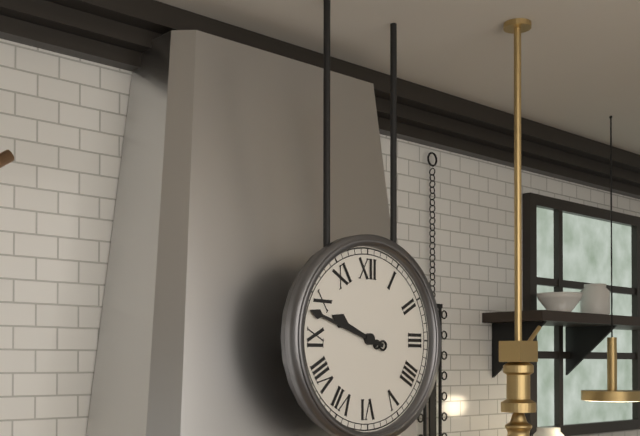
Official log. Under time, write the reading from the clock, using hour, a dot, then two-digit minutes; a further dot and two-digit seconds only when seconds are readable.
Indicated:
9.48
